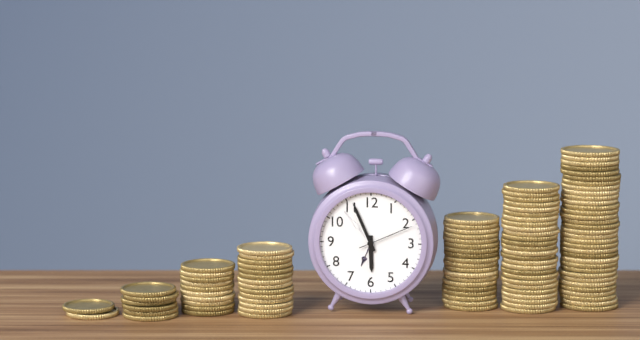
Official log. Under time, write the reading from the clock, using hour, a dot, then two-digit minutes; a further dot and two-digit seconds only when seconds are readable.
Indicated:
5.56.11
